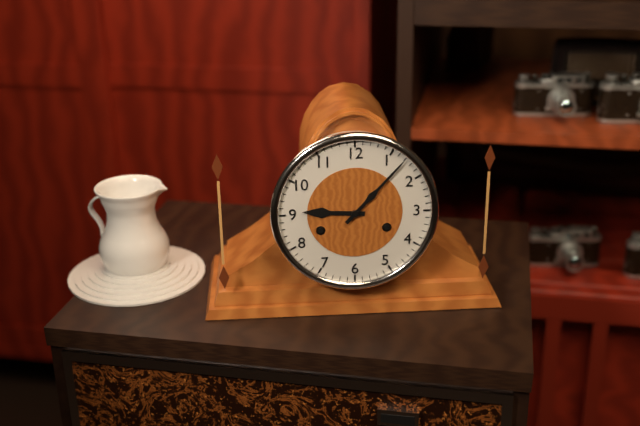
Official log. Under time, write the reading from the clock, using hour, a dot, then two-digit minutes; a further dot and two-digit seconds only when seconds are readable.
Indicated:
9.07
